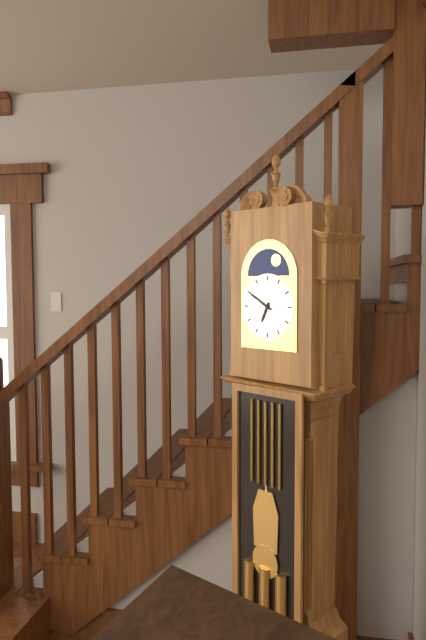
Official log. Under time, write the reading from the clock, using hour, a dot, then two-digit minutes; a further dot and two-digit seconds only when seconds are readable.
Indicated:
6.50
